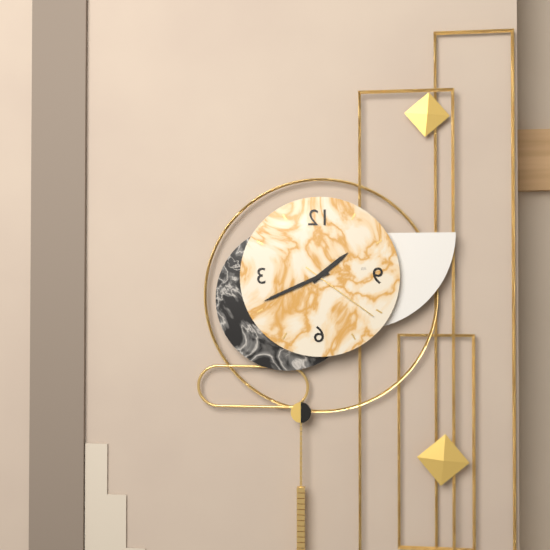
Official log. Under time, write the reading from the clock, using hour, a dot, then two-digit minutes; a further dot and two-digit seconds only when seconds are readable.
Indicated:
1.41.21
